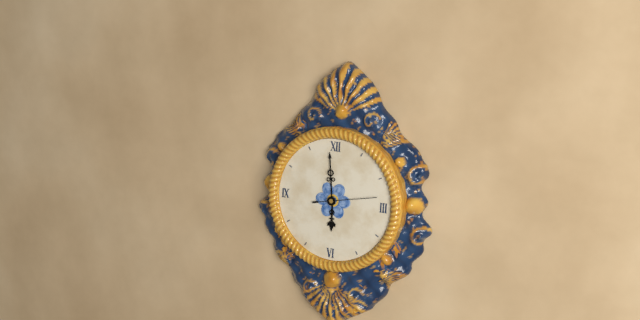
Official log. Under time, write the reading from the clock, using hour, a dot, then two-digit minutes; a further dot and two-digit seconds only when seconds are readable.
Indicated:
5.59.13
